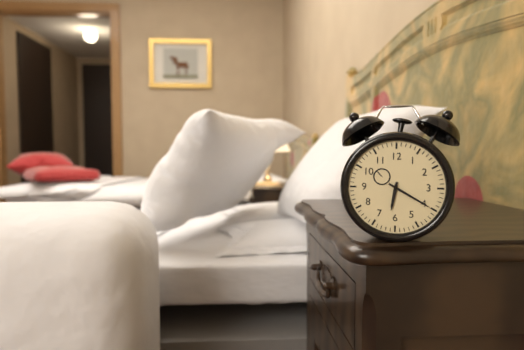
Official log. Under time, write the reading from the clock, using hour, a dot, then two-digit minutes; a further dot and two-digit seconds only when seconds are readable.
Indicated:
6.20
